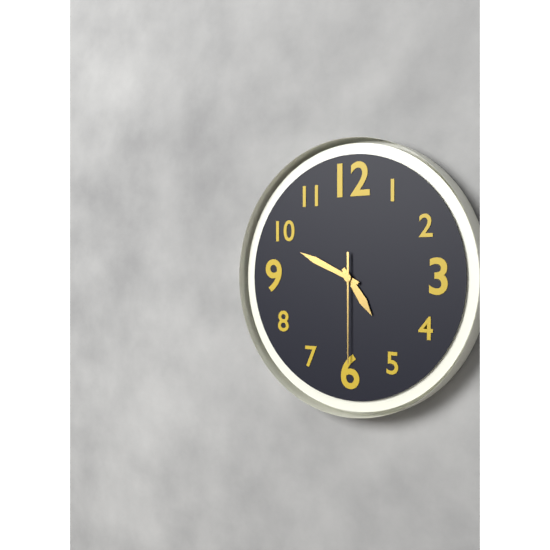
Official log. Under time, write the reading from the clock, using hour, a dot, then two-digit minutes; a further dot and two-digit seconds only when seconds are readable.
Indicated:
4.49.30
